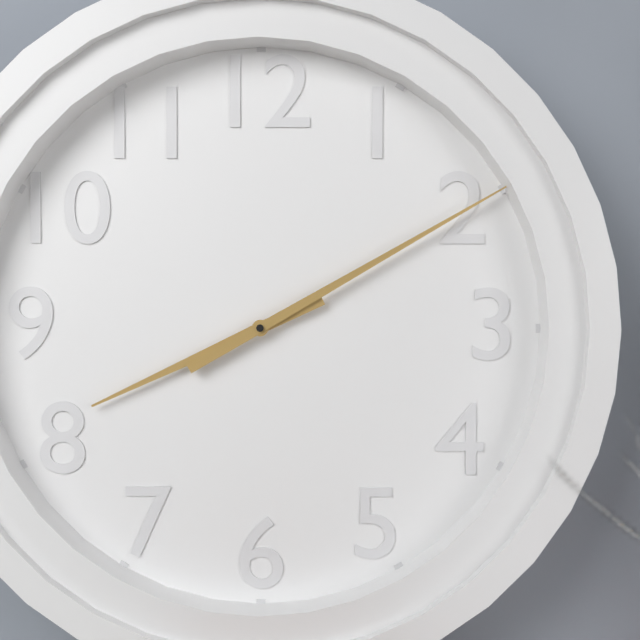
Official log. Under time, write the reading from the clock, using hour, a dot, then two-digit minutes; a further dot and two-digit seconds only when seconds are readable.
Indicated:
8.10
